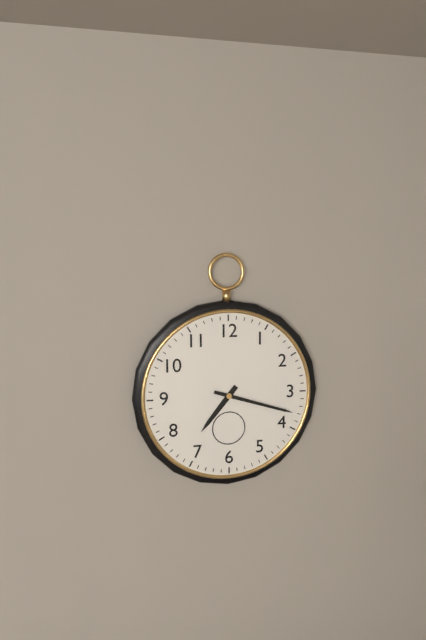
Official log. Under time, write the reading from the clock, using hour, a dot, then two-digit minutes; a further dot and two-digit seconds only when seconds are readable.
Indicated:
7.18
